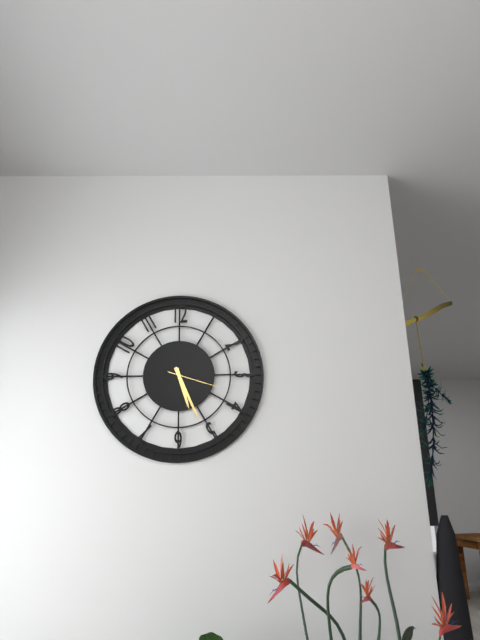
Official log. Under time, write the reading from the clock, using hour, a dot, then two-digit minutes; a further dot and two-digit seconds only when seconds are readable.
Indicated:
5.26
